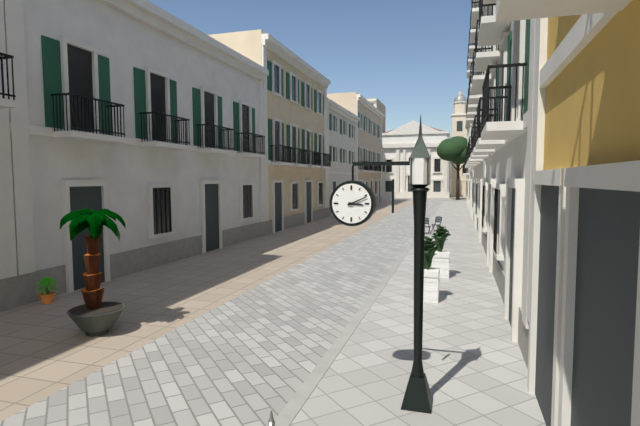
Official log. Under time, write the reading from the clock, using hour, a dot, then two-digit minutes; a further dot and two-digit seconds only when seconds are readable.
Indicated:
3.11
